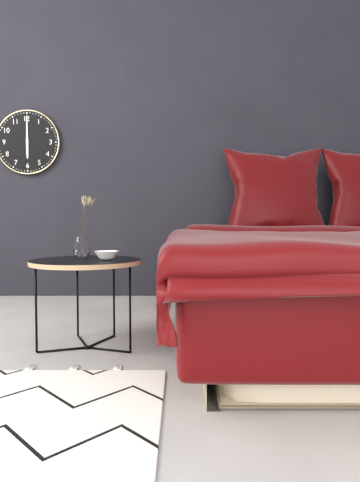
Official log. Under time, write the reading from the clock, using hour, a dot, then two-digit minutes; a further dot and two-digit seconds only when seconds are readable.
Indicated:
6.00
